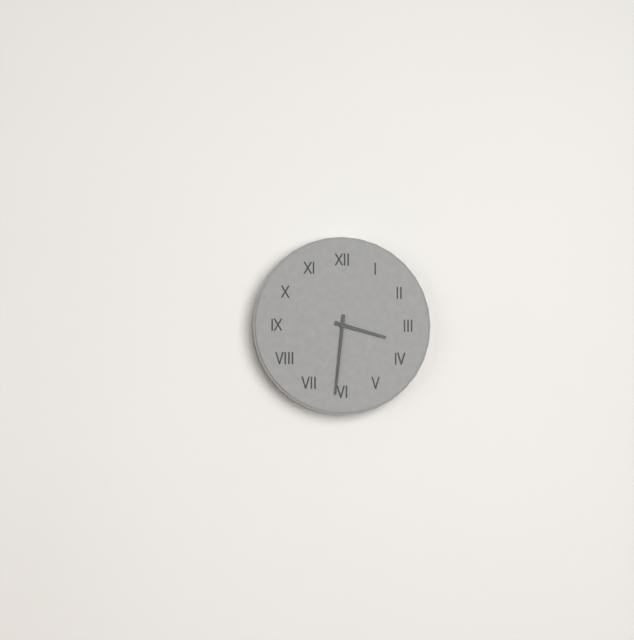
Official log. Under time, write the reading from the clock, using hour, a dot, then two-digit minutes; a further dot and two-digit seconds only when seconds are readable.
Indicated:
3.31
